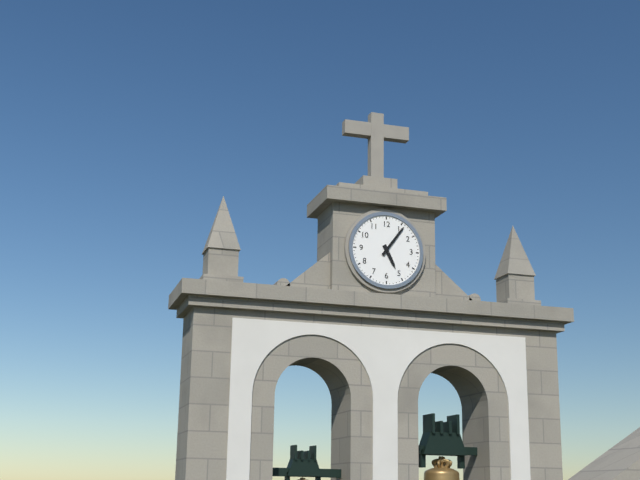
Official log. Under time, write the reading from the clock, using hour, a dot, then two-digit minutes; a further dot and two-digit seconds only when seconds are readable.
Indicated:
5.06
